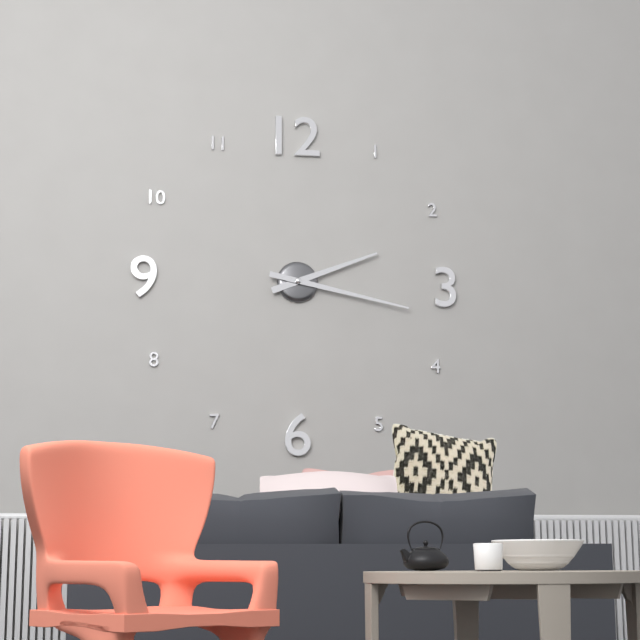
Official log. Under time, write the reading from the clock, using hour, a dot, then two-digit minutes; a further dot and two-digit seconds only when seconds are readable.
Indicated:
2.17
